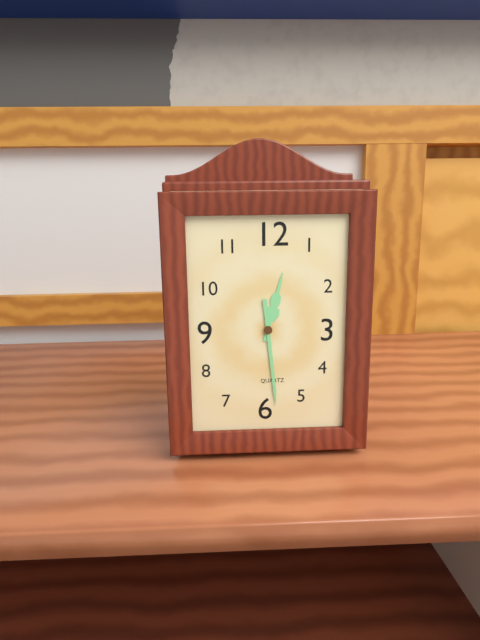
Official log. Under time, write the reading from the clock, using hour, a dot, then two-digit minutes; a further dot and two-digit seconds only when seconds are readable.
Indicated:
12.29
